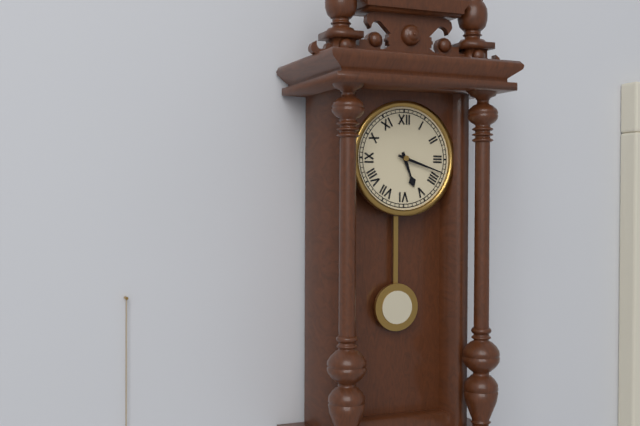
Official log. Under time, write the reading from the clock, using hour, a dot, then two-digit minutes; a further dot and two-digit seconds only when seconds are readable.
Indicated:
5.18
